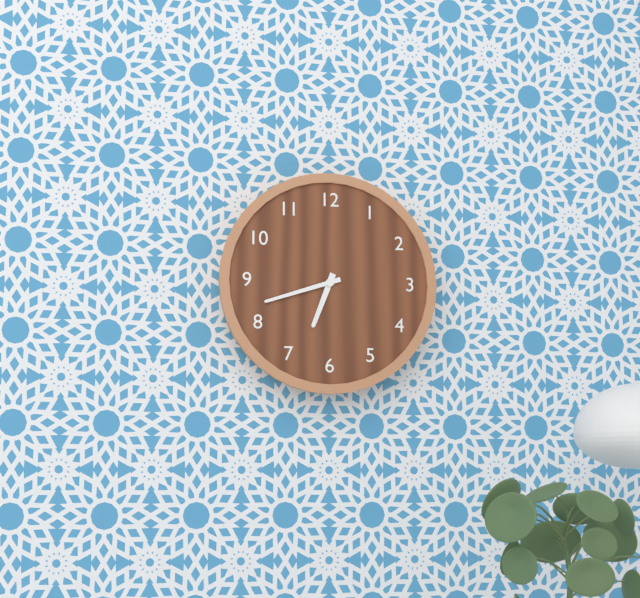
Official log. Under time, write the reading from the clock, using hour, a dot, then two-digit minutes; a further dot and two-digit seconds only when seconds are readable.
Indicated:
6.42
